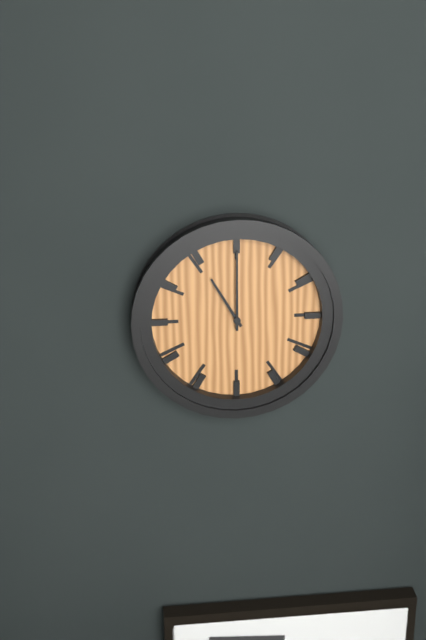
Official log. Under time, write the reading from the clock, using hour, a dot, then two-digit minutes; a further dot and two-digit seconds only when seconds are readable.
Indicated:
11.00
